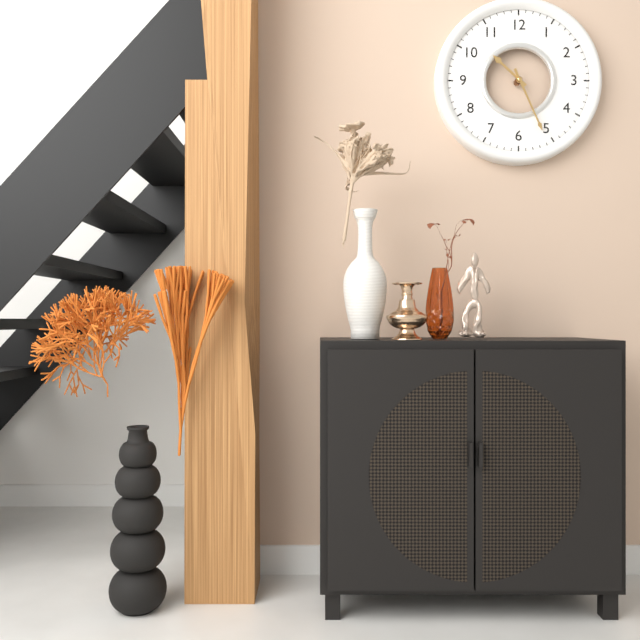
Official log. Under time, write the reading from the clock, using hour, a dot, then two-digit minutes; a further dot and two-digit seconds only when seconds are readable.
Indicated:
10.26
